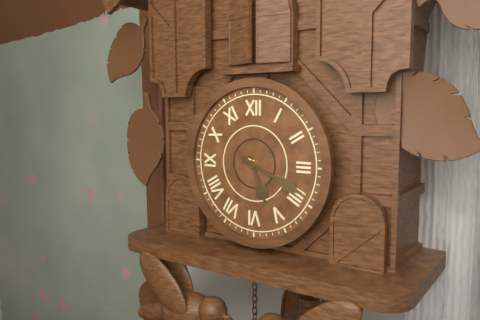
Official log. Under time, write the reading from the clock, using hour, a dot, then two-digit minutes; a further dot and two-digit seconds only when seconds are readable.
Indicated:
5.19
